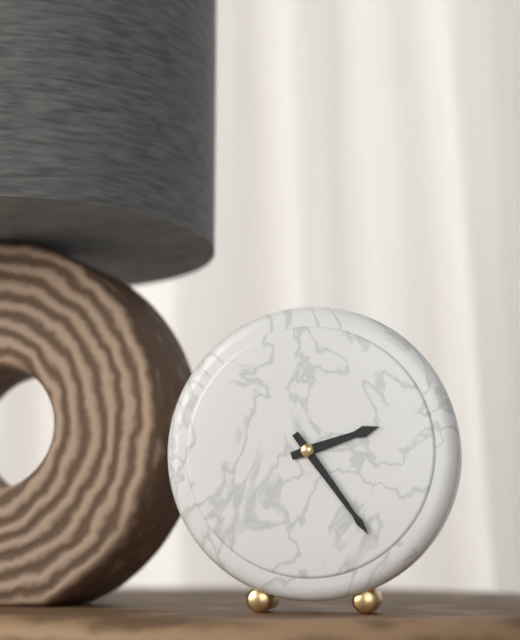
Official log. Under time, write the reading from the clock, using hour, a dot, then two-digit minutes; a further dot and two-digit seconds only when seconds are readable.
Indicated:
2.24
